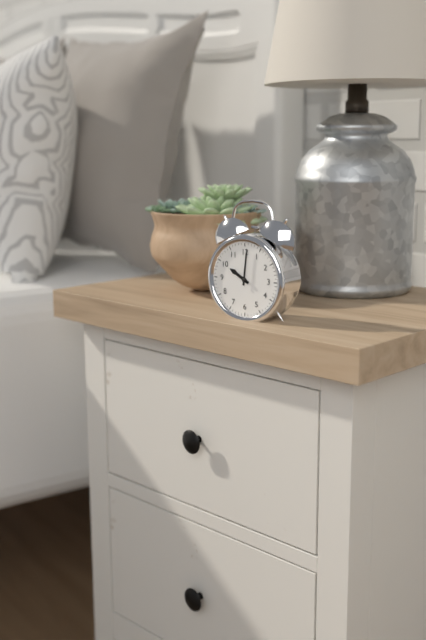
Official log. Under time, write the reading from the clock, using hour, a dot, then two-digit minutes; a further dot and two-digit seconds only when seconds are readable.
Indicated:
10.01
